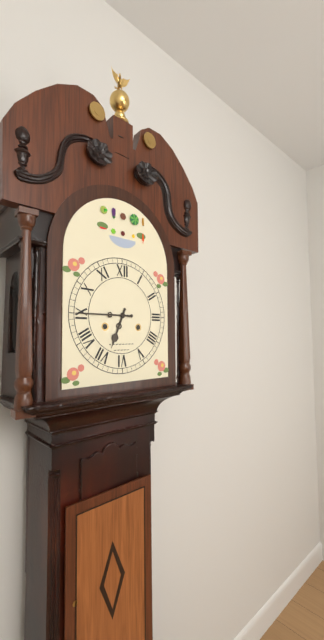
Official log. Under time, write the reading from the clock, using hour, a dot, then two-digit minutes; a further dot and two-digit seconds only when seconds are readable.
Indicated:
6.45
